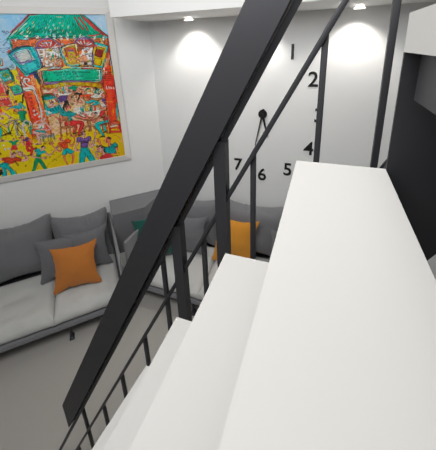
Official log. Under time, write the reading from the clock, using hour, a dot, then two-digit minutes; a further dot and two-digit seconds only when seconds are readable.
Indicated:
5.32
